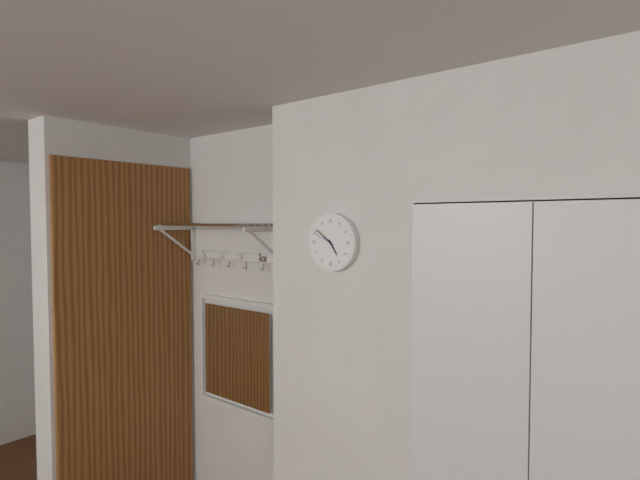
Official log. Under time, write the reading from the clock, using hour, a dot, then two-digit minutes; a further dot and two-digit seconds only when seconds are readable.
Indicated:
4.51
